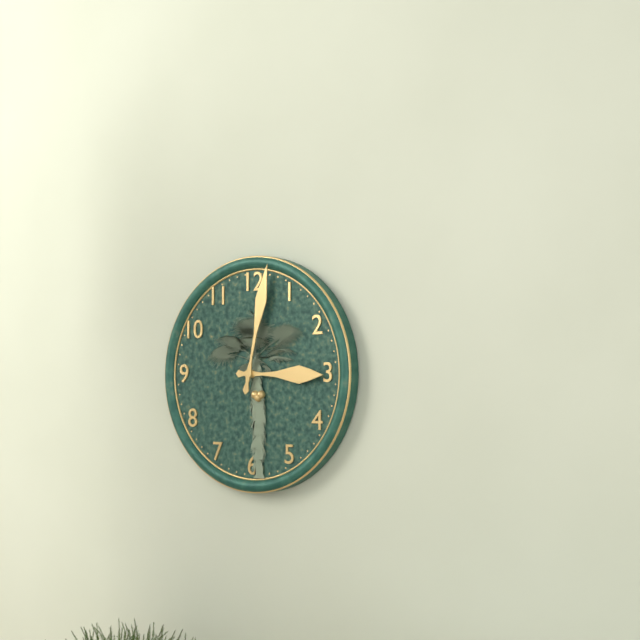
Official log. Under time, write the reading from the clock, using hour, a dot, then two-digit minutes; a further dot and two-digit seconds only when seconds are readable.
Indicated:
3.02
